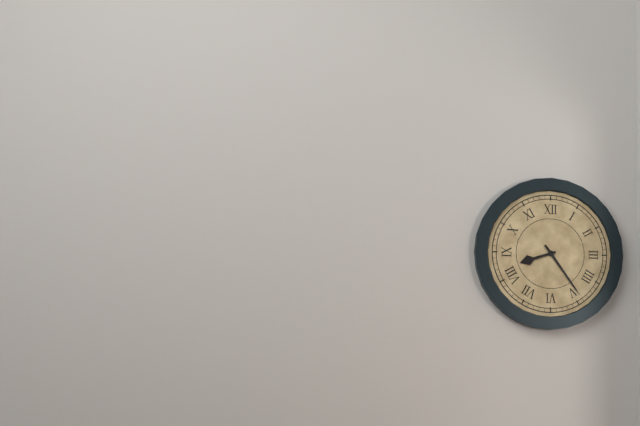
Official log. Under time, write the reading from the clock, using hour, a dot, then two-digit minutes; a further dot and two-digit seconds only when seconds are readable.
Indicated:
8.24
